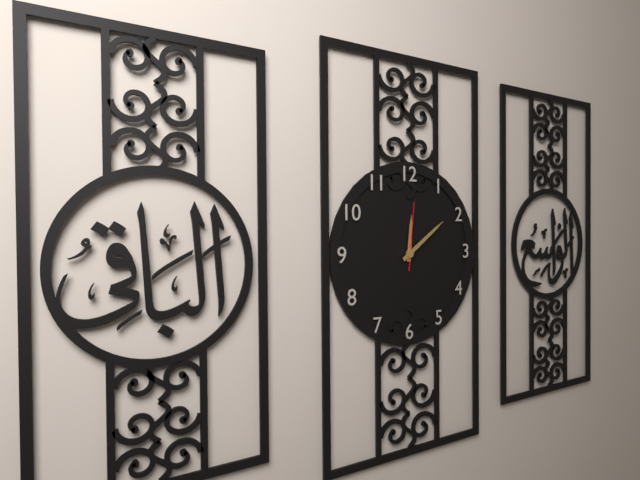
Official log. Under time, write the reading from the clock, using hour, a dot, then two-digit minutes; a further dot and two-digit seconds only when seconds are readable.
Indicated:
12.09.01
